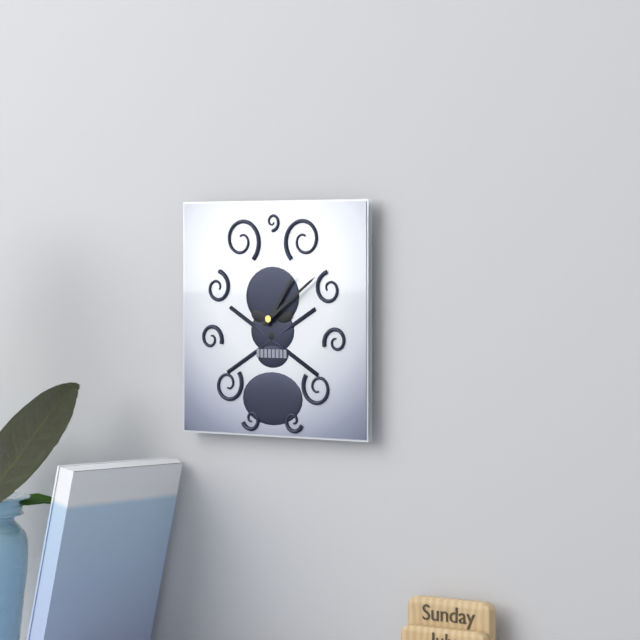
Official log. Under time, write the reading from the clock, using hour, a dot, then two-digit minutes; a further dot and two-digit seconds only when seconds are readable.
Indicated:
1.09
